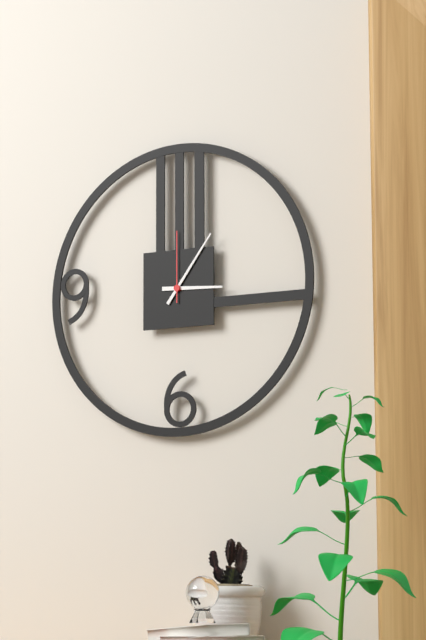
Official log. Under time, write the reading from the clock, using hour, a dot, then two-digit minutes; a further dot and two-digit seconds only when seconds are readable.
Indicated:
3.06.00
